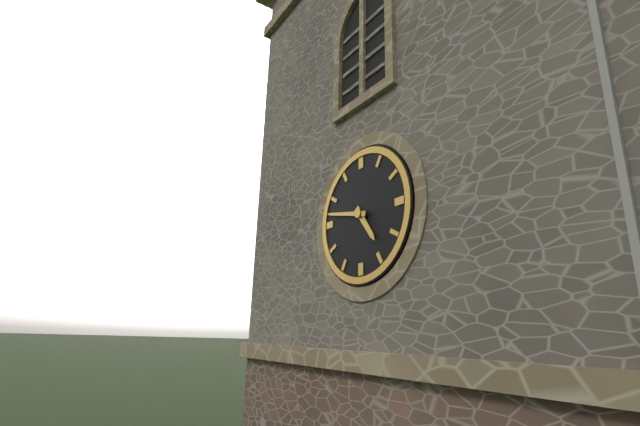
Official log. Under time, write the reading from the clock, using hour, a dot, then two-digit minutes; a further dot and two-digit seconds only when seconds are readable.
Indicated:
4.47
